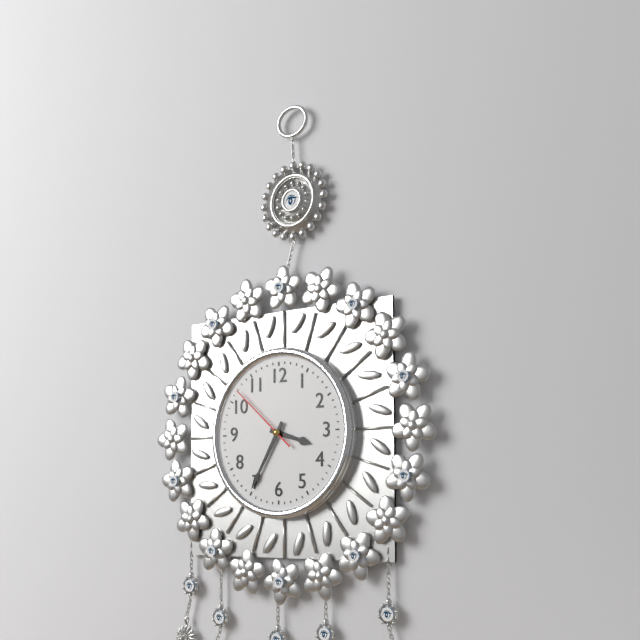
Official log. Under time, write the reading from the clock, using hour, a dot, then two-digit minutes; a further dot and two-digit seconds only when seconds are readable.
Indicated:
3.35.52
